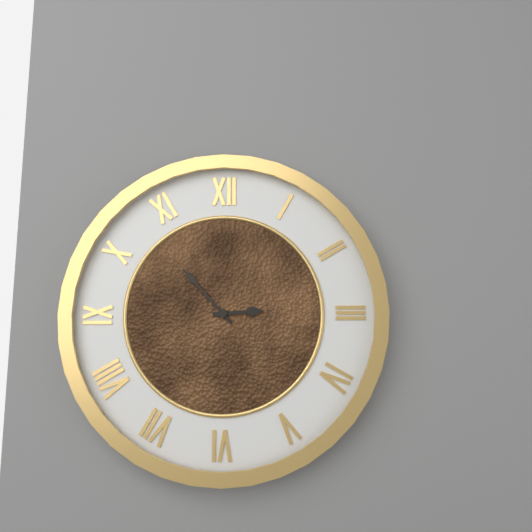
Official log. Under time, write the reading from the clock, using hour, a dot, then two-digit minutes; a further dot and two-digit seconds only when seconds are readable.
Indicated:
2.53
